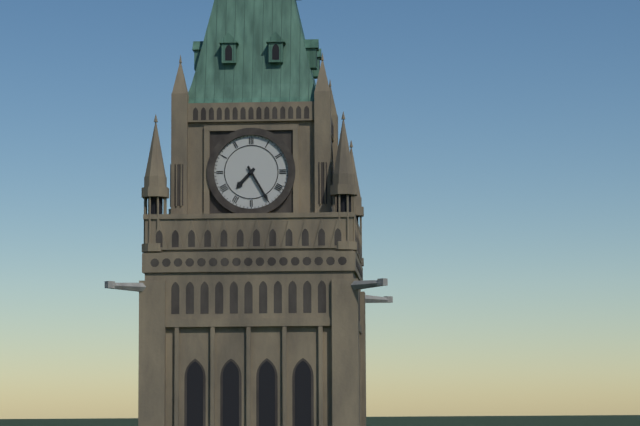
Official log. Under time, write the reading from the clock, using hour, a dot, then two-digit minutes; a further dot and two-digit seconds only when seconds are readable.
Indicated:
7.25
